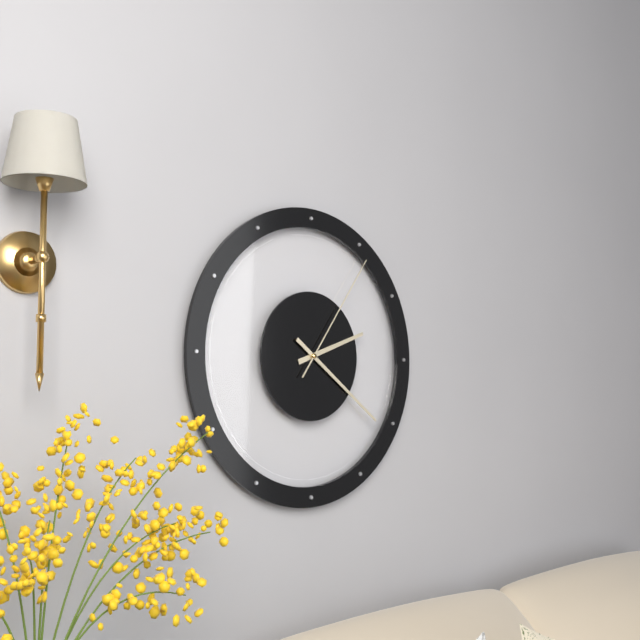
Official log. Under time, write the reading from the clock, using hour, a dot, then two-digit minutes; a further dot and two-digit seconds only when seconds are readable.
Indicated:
2.21.06
